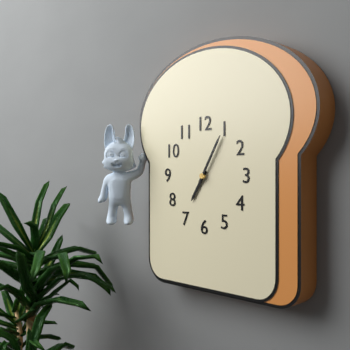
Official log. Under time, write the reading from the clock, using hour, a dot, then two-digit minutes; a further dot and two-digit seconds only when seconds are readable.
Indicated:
7.05
